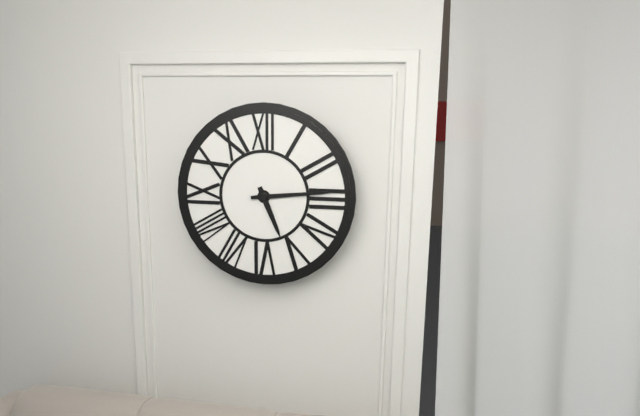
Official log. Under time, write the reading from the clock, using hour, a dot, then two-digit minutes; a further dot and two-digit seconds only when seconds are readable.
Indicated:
5.14
